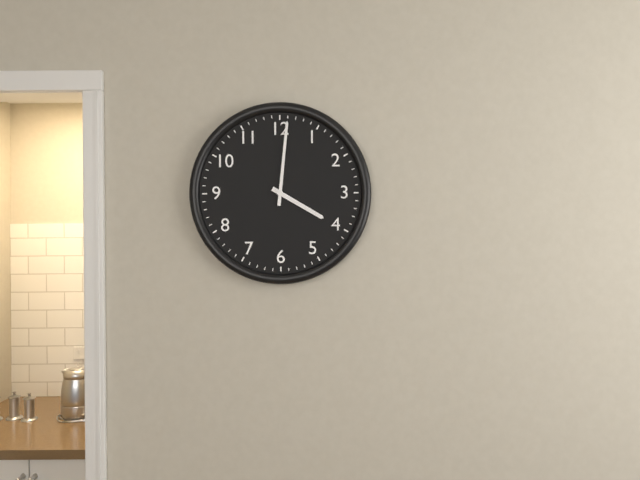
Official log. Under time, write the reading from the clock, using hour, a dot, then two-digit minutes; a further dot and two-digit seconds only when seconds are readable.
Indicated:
4.01
